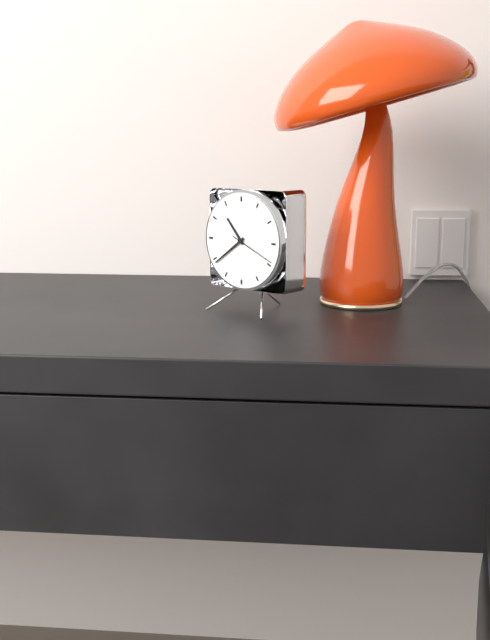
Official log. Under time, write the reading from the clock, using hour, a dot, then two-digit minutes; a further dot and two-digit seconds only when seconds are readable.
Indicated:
10.39
